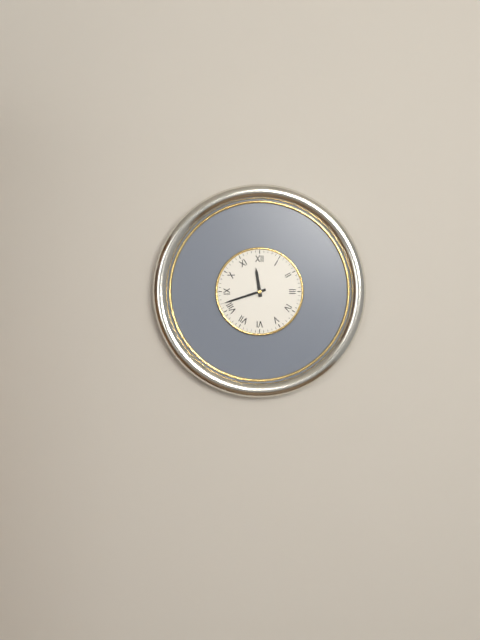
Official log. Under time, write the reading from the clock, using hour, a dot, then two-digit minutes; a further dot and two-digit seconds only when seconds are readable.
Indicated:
11.42
